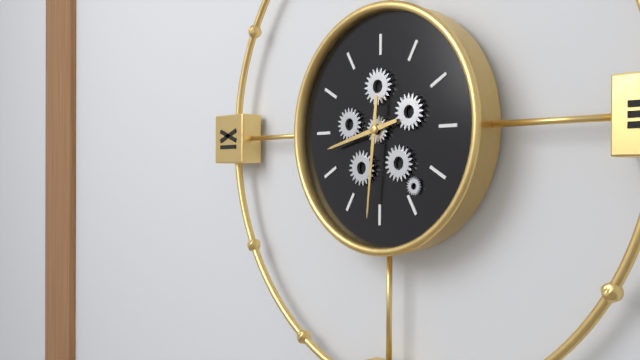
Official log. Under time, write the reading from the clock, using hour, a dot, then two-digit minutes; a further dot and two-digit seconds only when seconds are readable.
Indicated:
8.31
